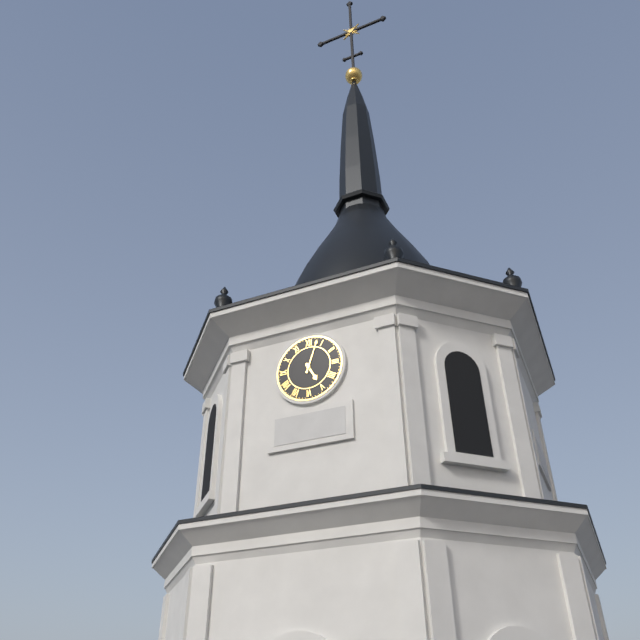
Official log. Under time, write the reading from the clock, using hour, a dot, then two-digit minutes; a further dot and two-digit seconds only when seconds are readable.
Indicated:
5.03
